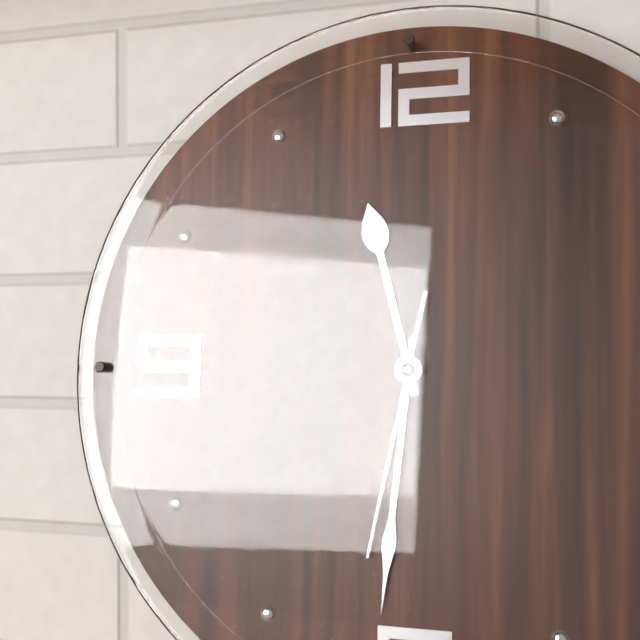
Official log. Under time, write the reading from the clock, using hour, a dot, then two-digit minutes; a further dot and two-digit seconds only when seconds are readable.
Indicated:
11.31.32
